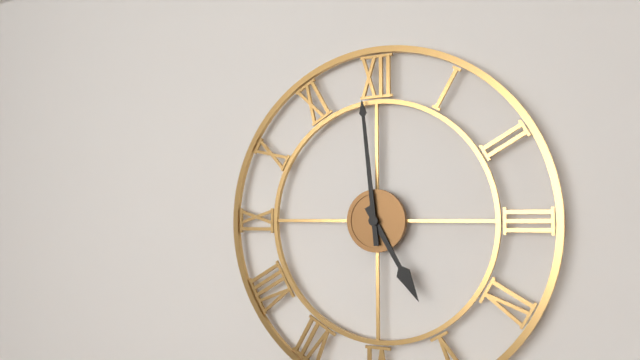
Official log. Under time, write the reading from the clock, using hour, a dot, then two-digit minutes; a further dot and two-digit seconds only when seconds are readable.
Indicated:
4.59
